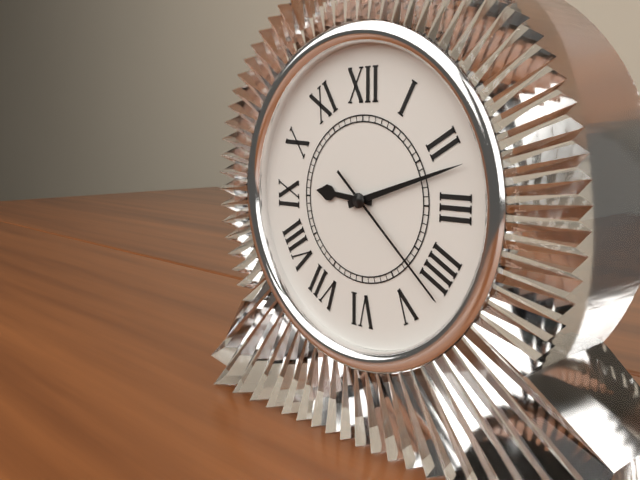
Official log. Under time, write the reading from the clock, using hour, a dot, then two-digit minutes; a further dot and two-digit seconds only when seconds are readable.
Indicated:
9.12.22
